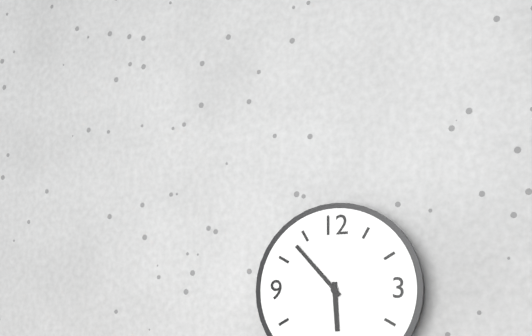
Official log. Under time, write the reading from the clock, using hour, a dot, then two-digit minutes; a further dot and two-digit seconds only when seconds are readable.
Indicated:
5.53
